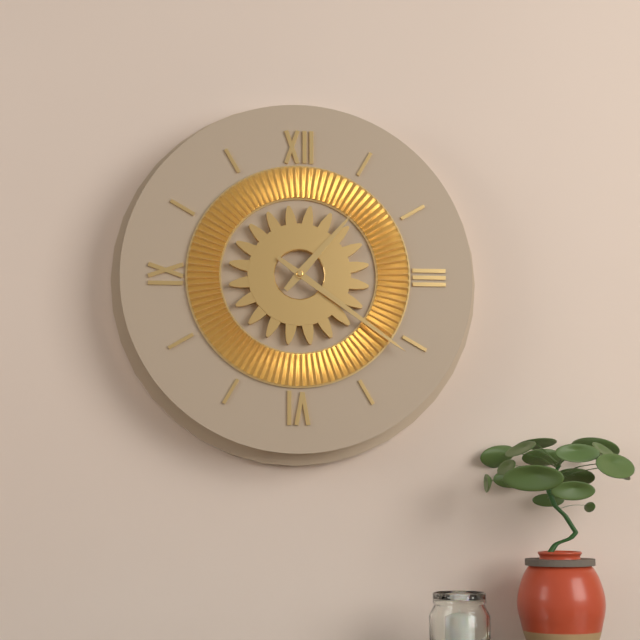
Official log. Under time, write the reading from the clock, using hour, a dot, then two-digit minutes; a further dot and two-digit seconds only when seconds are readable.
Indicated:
1.21
